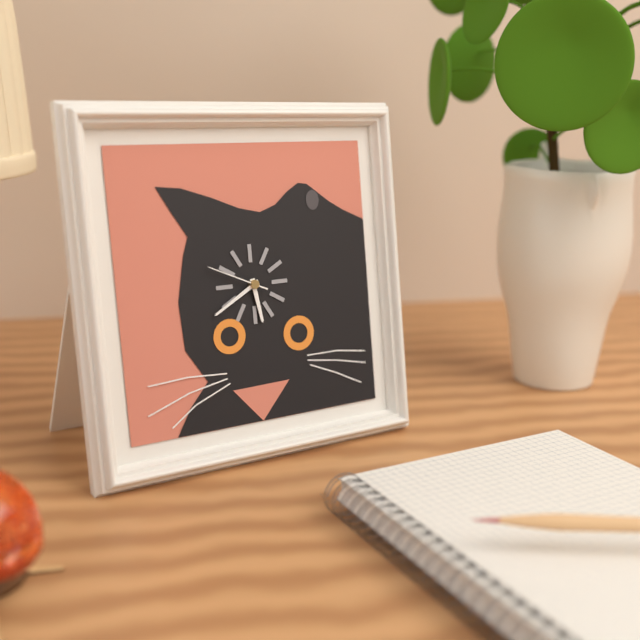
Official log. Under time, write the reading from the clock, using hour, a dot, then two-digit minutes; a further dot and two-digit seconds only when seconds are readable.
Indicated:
5.40.49
